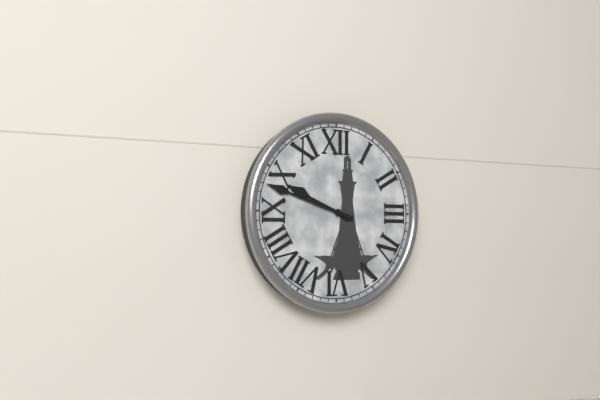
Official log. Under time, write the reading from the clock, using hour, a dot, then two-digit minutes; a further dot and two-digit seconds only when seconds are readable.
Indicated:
9.48
